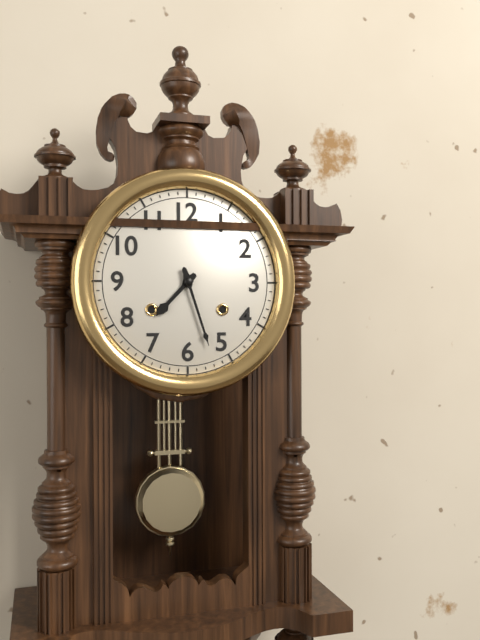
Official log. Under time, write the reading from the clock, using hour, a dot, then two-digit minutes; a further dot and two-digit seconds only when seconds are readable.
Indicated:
7.27
